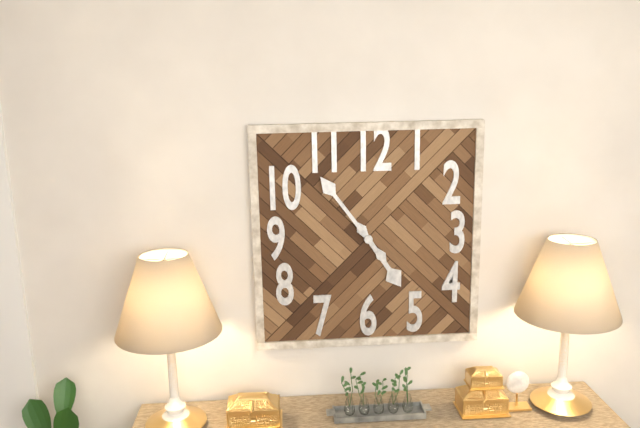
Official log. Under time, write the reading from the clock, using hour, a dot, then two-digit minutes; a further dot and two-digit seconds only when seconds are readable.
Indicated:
4.54
